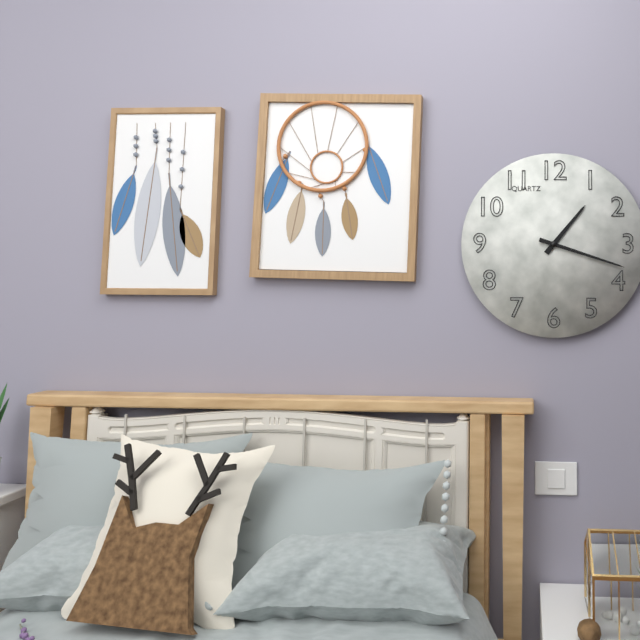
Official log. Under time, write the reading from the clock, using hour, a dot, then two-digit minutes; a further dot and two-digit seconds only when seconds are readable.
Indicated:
1.18
